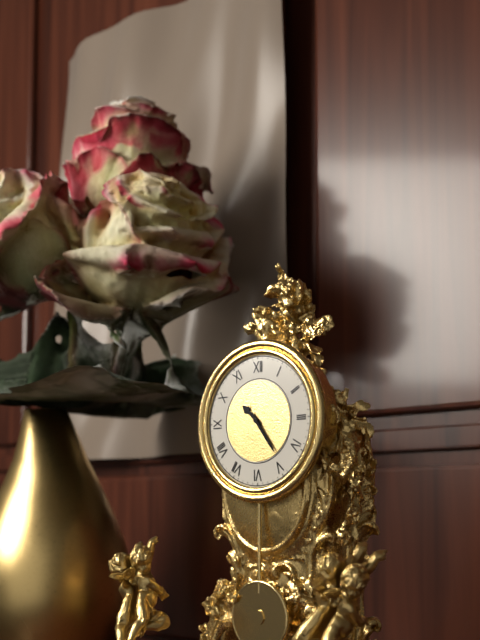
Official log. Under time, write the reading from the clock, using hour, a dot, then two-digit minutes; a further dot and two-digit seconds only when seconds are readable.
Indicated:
10.24
